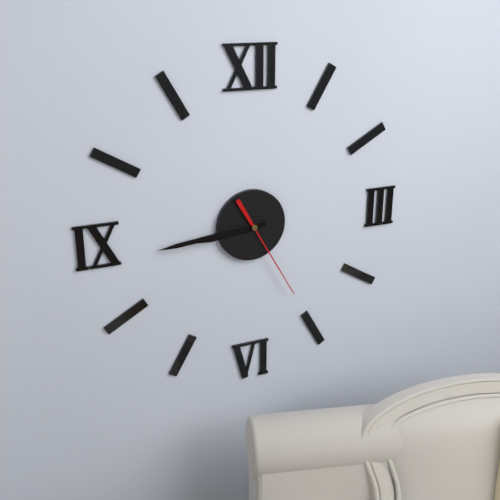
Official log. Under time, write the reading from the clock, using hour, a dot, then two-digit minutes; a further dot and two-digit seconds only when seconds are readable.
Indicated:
8.44.25
